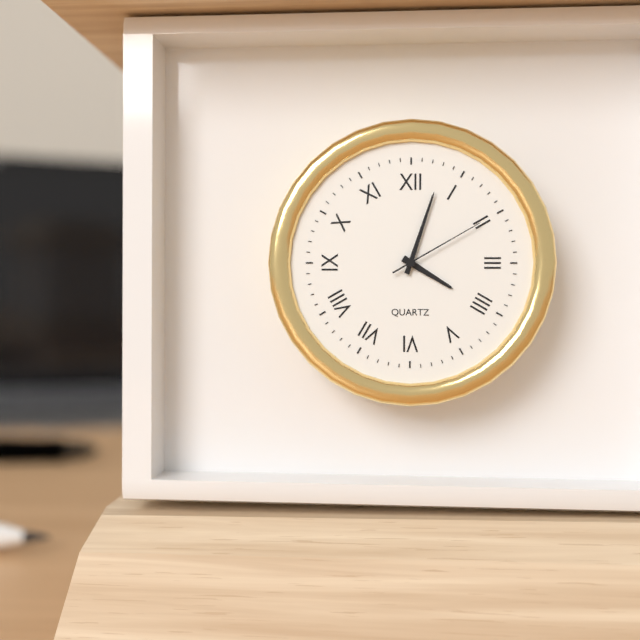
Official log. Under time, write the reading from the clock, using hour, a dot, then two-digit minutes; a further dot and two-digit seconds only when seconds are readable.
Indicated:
4.03.10
